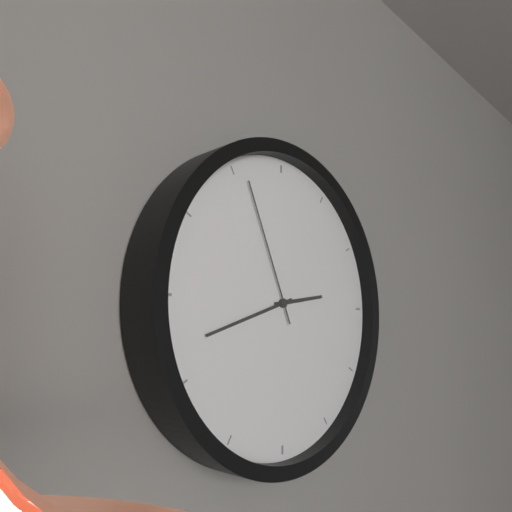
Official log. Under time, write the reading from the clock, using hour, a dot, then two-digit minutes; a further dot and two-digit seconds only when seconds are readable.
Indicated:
2.42.56
